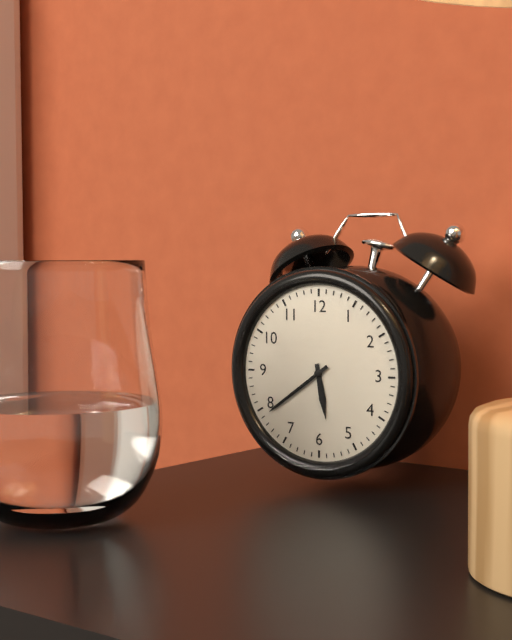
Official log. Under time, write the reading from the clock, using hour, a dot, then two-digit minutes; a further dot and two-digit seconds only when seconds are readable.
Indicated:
5.39
